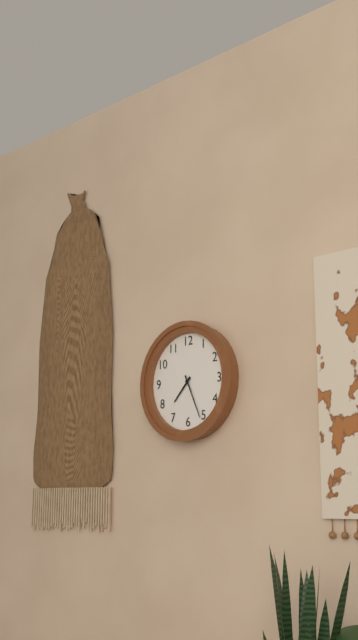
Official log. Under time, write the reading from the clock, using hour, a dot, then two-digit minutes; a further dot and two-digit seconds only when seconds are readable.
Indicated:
7.26
